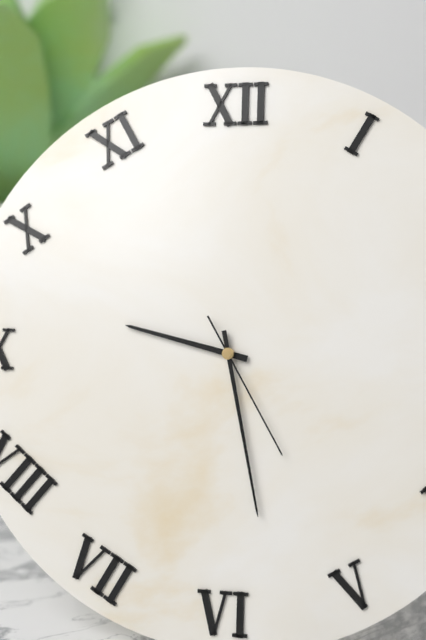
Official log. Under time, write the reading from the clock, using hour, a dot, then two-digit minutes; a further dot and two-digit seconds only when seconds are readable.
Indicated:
9.28.25
